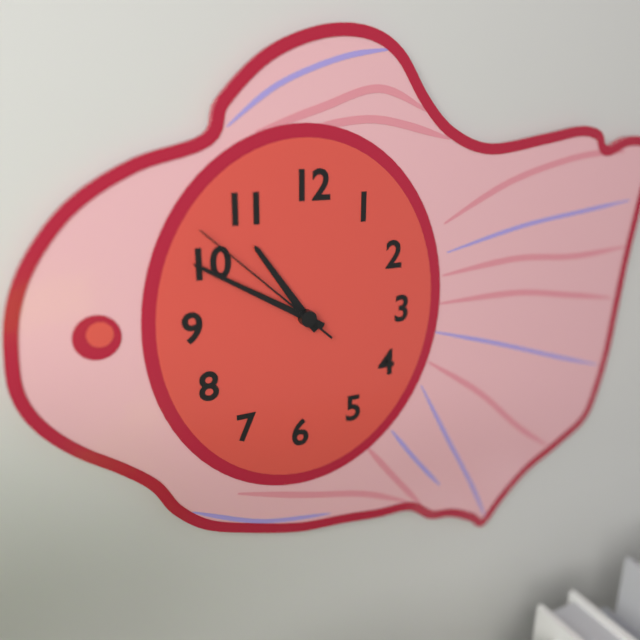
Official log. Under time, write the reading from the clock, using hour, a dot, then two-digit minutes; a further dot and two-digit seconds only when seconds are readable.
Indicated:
10.50.52
